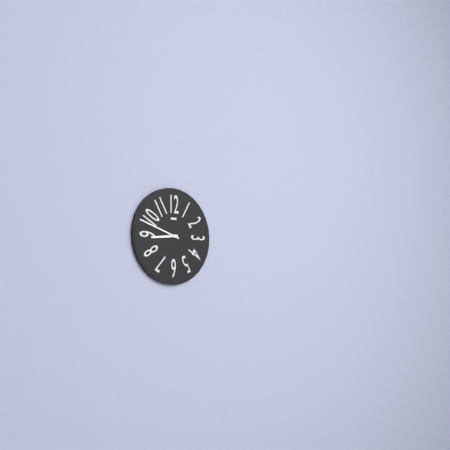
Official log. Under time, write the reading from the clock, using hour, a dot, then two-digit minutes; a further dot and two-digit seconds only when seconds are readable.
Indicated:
8.48
